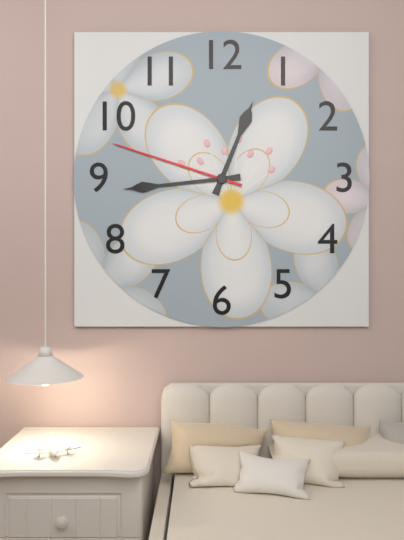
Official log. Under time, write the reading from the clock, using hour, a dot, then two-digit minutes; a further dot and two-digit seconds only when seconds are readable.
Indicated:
12.44.48
